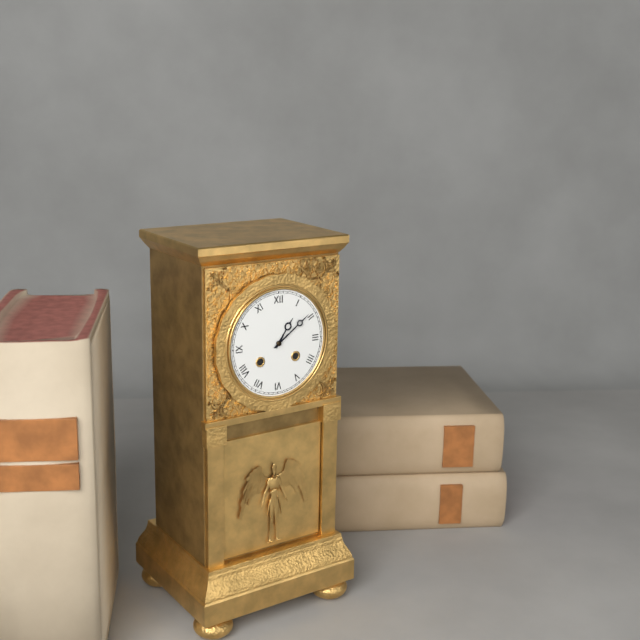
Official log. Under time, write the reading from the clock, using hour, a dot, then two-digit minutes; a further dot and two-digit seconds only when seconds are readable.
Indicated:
1.09
